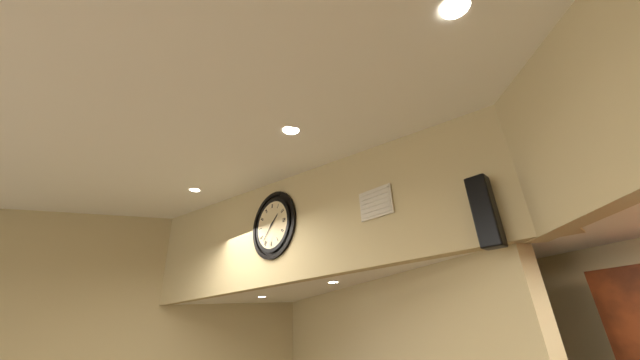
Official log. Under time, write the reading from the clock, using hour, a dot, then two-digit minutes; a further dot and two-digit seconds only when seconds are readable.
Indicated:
1.37
